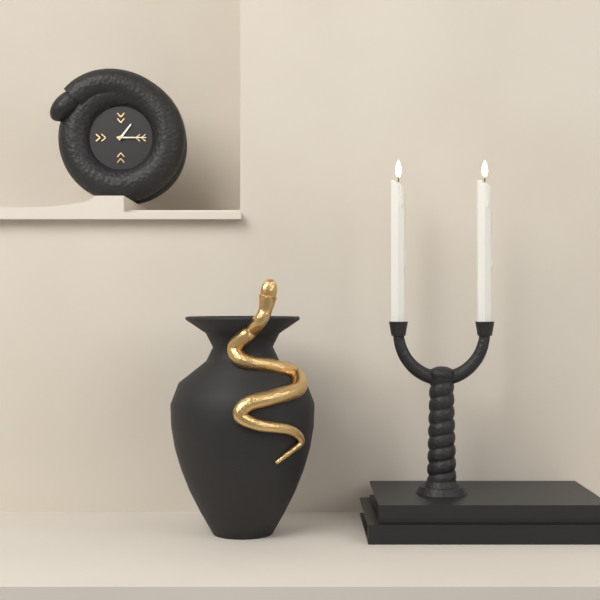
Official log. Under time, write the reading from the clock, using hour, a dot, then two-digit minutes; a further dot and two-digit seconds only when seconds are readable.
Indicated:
1.15
